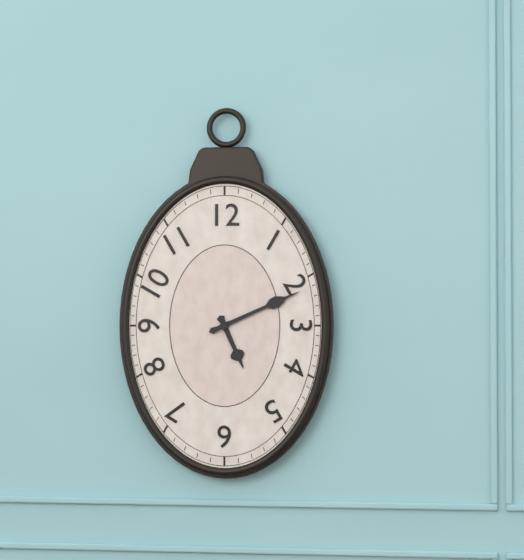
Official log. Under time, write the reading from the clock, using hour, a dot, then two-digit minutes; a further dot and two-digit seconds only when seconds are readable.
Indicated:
5.11
